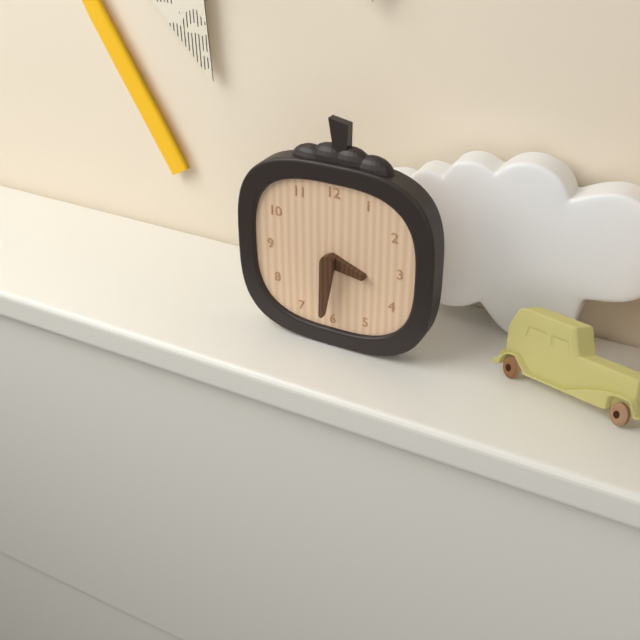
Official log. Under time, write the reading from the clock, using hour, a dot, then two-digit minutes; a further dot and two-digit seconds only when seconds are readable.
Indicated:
3.31
